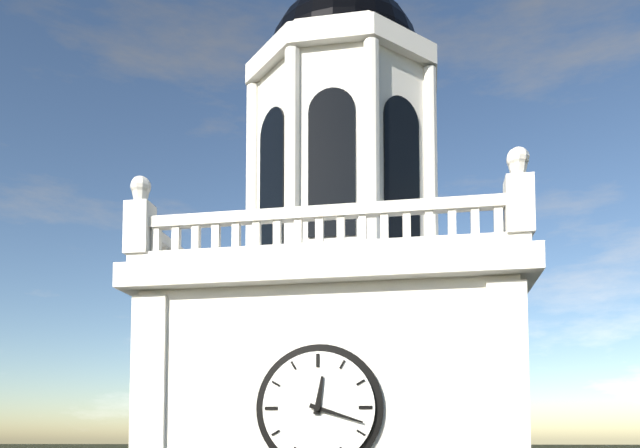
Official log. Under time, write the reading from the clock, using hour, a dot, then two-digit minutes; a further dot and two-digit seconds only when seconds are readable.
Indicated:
12.18
